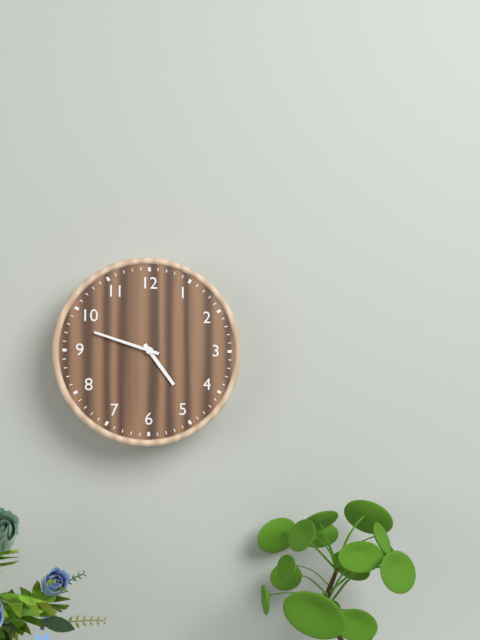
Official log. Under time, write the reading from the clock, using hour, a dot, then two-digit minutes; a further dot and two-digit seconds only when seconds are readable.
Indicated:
4.48
